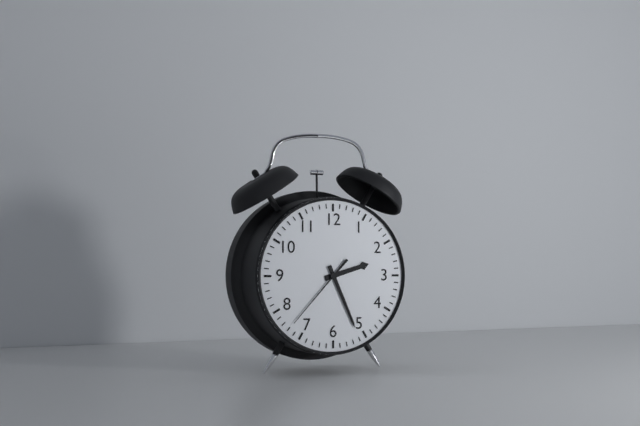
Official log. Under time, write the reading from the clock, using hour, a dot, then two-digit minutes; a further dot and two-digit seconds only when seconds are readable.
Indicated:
2.26.37
